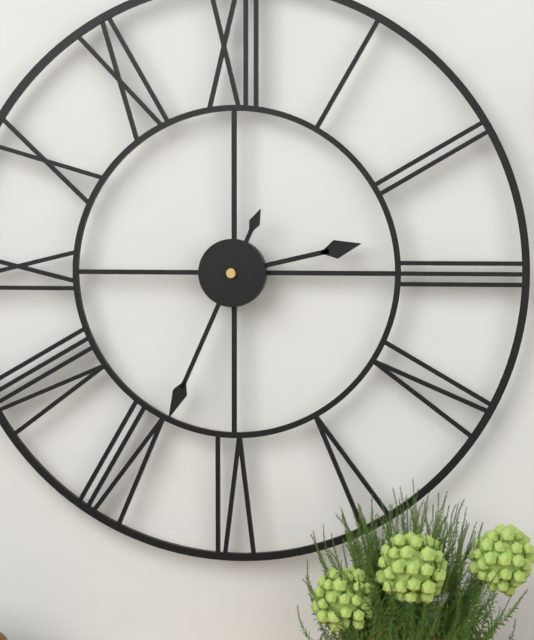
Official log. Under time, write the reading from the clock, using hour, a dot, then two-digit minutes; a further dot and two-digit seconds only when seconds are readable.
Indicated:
2.34
